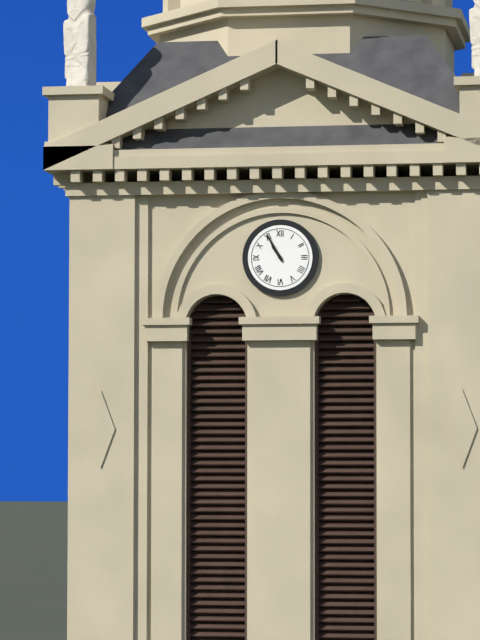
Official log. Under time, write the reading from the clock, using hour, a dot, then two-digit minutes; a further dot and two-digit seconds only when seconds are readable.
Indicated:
10.55
